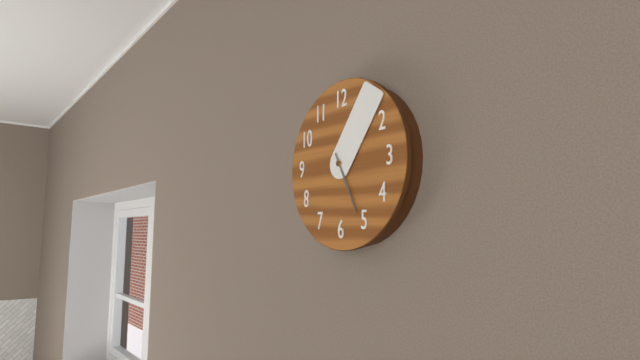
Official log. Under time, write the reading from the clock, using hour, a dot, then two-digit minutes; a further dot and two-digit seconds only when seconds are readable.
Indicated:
5.06
